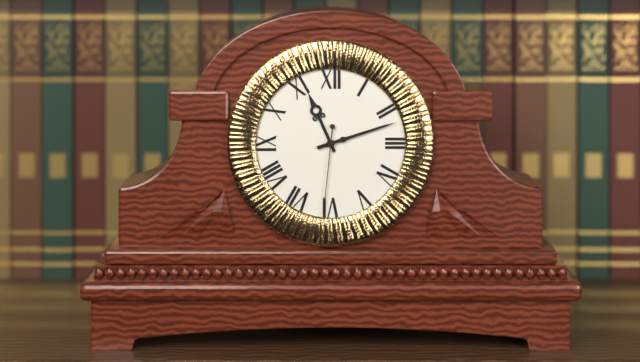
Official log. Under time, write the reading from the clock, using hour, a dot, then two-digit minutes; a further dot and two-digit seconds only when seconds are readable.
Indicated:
11.12.31
